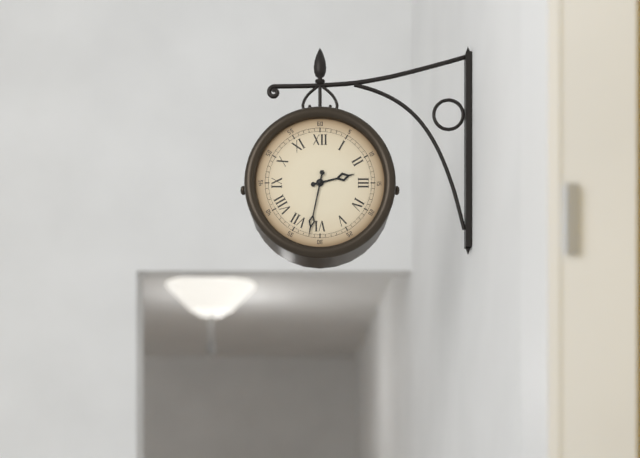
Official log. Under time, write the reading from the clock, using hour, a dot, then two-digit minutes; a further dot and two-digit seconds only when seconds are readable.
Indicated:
2.32
